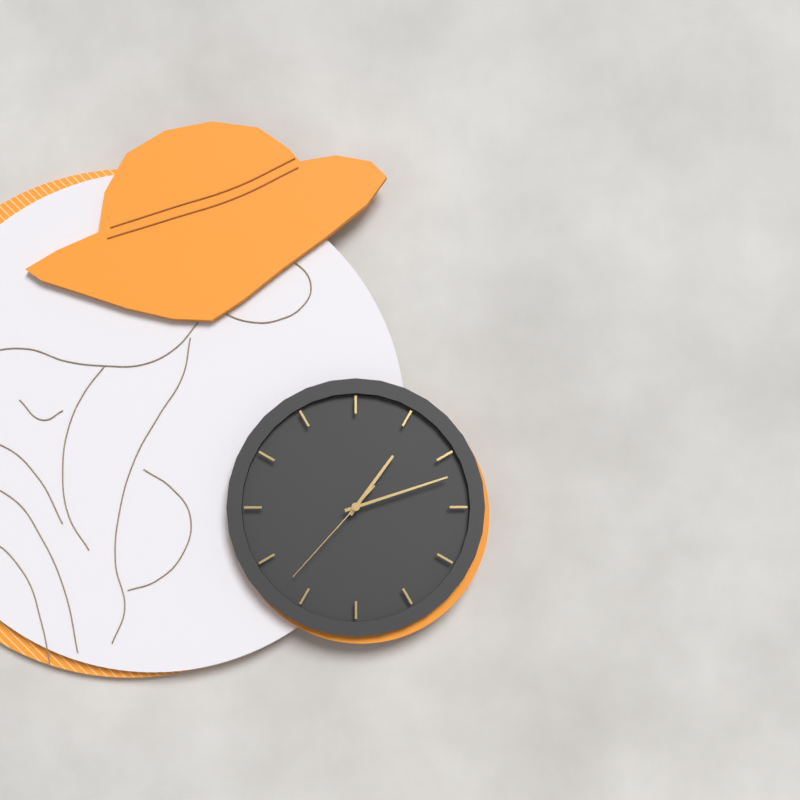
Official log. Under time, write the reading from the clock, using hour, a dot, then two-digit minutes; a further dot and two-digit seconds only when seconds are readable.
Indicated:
1.12.37
